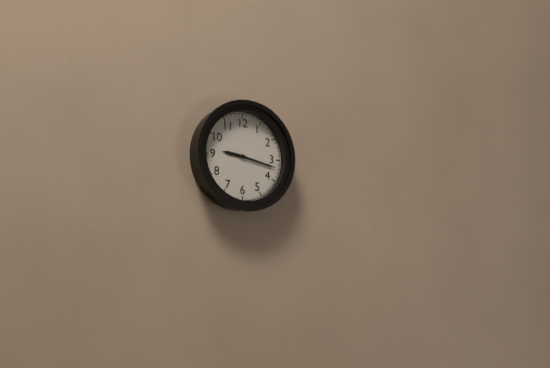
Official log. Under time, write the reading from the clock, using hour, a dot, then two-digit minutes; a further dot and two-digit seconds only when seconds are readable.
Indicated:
9.17
